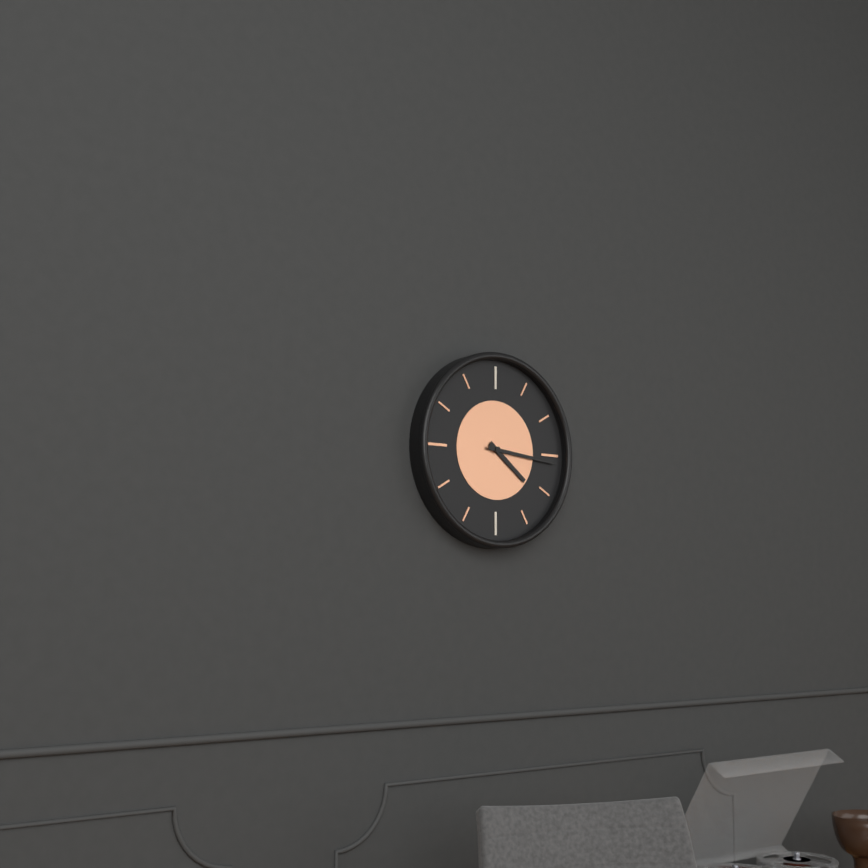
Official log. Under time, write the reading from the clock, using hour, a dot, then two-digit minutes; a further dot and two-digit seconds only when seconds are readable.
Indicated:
4.16
